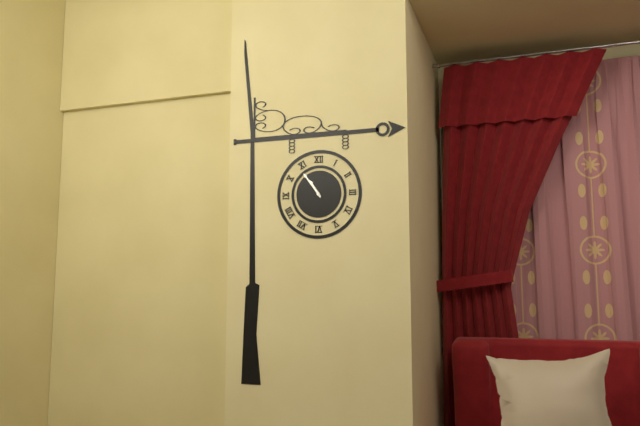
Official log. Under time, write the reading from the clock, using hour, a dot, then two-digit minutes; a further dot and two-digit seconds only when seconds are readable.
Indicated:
10.54
